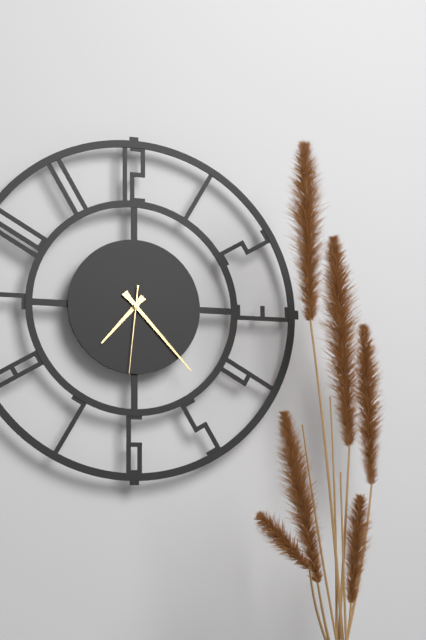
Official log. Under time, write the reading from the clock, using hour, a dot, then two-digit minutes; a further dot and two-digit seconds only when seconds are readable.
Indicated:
7.23.31
